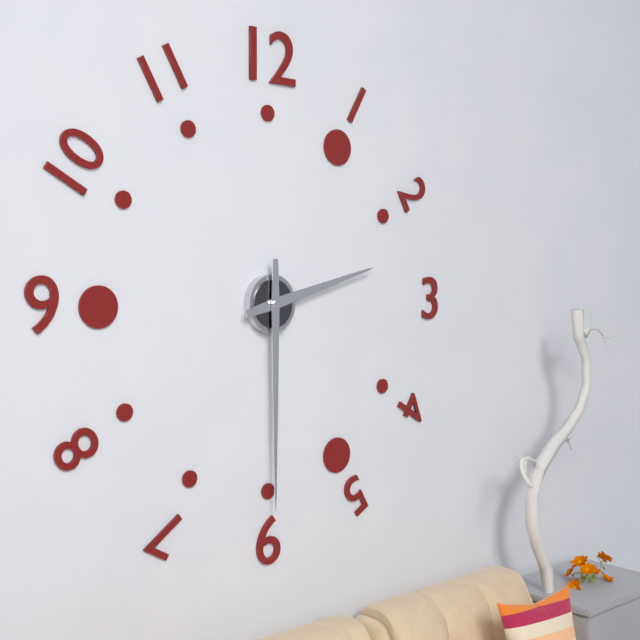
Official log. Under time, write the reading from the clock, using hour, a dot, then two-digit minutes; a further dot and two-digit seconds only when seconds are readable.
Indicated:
2.30
